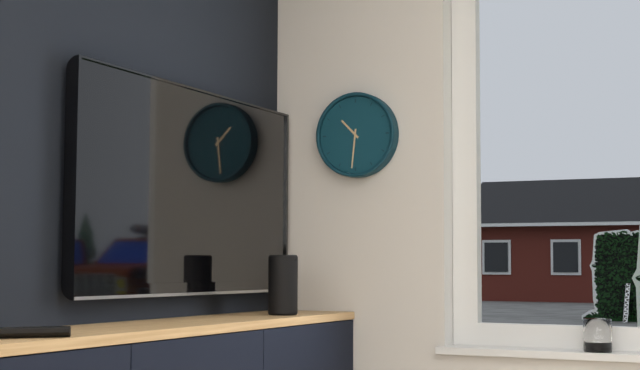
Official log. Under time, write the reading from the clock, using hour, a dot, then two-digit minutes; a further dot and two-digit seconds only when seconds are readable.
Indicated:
10.31
